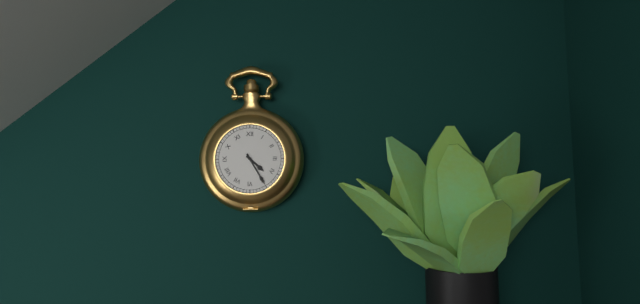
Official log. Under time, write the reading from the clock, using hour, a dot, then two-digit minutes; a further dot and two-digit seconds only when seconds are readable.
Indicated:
4.25
